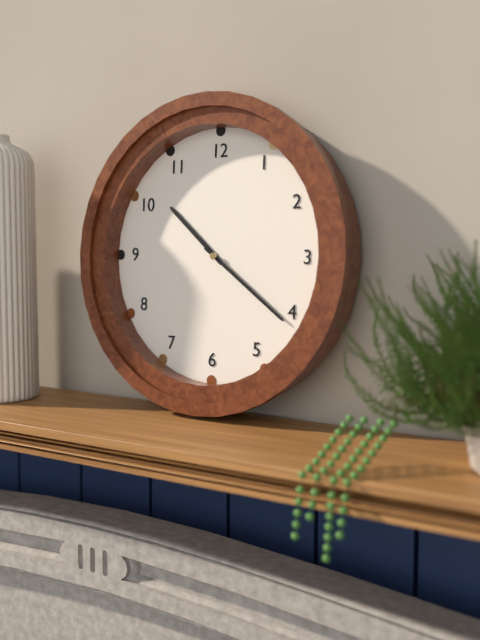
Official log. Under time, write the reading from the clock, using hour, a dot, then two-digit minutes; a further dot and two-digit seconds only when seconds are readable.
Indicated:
10.21
